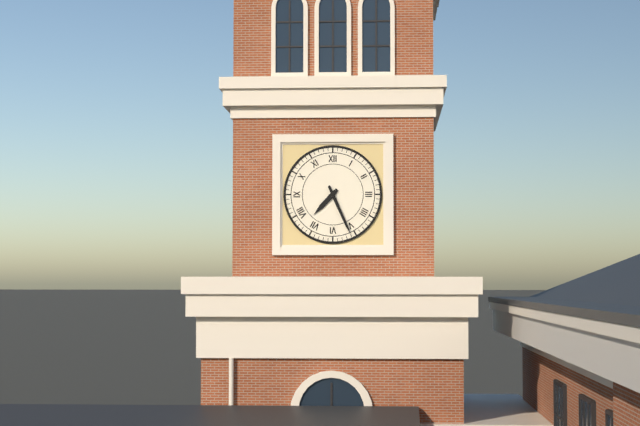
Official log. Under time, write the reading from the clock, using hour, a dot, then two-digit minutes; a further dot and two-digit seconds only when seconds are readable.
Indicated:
7.26
